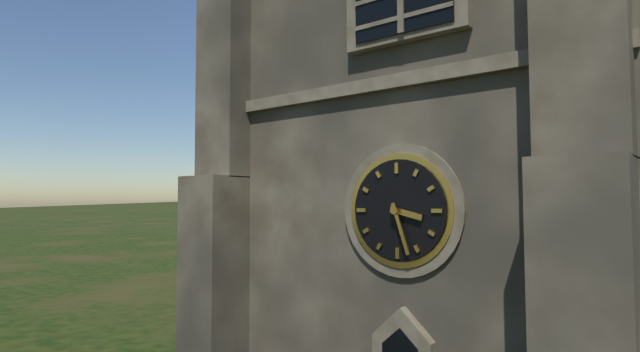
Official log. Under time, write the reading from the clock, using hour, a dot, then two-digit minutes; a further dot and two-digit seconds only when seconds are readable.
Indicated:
3.27
